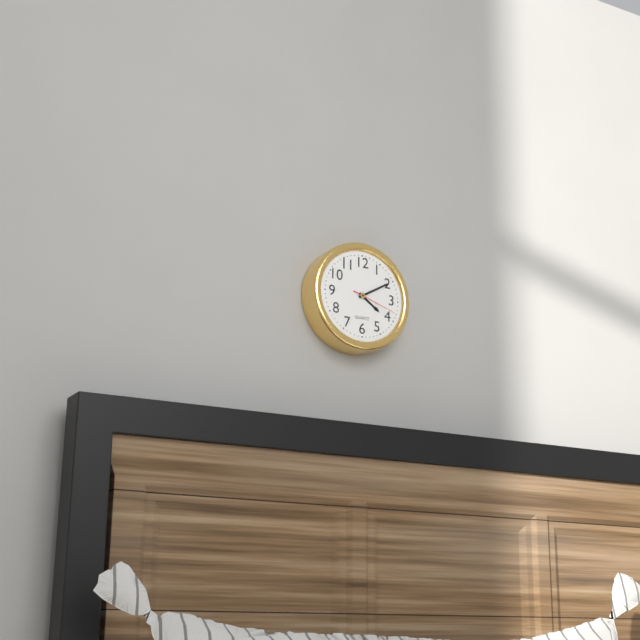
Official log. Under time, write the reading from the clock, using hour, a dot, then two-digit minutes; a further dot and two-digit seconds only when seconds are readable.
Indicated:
4.10
